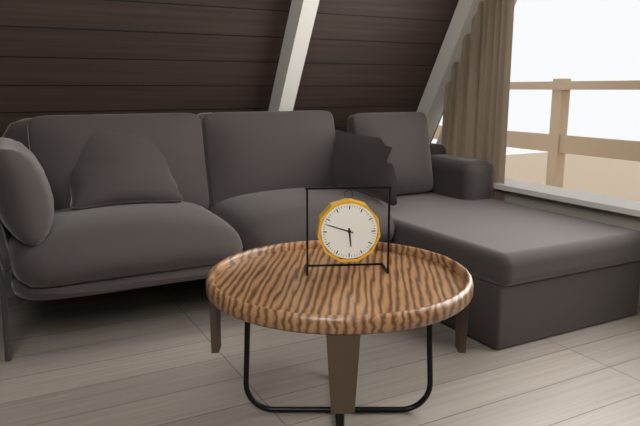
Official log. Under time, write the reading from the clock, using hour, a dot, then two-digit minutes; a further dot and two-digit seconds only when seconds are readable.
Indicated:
5.48
